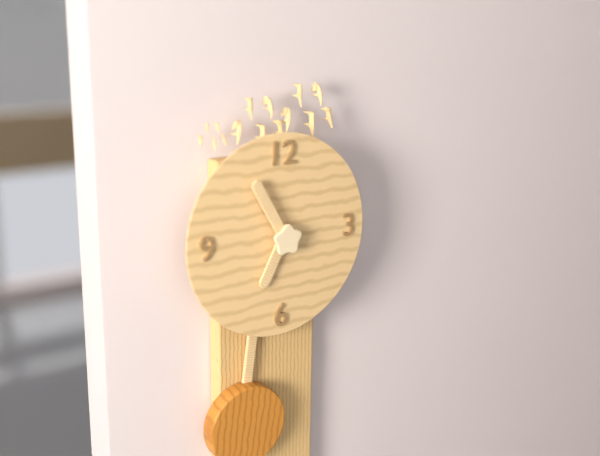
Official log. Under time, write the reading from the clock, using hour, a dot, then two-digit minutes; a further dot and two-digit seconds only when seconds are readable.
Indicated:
6.55
